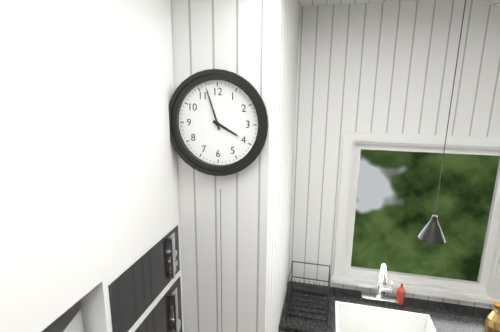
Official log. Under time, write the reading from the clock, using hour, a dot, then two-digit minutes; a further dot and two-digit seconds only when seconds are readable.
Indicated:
3.57
